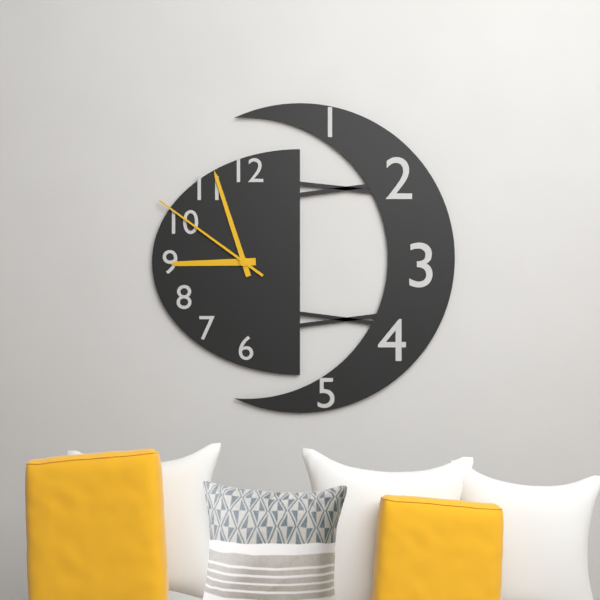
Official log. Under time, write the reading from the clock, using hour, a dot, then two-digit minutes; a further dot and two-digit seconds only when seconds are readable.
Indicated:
8.57.51
